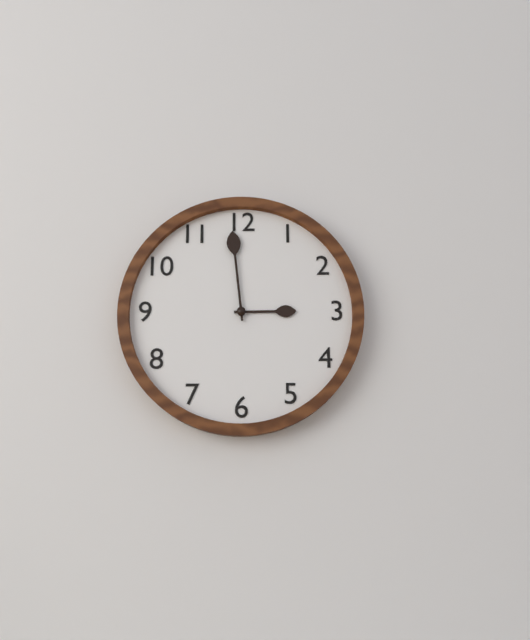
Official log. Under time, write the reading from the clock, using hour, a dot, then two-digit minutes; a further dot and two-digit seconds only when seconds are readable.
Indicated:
2.59
